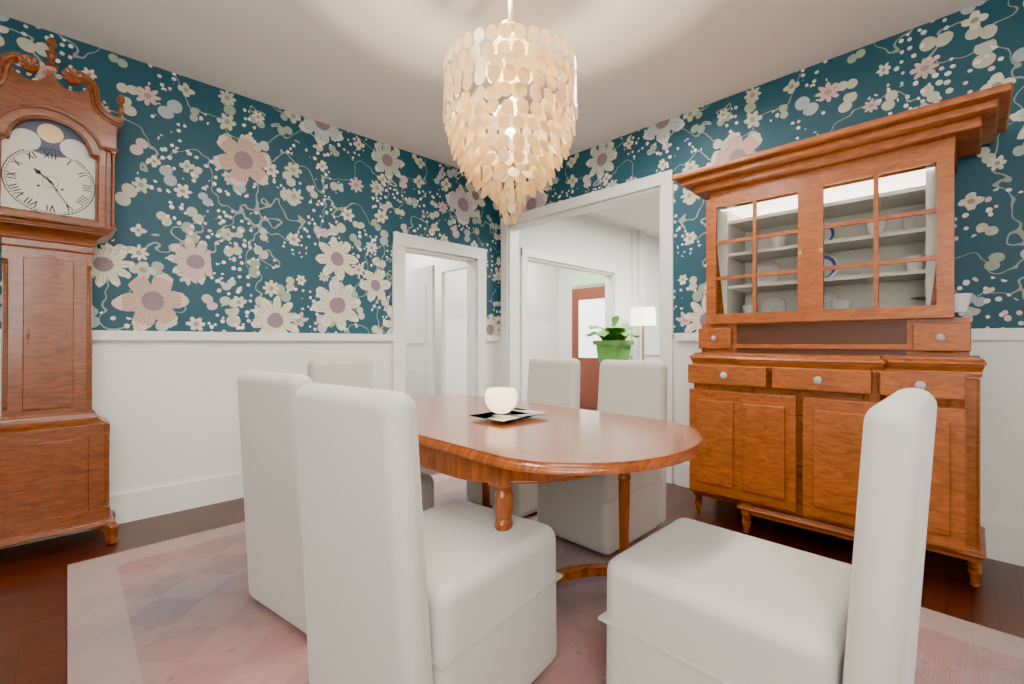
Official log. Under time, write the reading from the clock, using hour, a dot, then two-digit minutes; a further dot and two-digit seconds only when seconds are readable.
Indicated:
10.25
